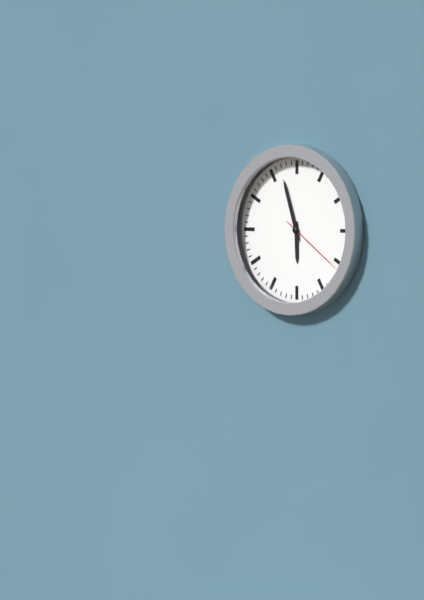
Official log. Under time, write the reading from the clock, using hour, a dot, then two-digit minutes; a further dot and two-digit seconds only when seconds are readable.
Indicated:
5.57.21
